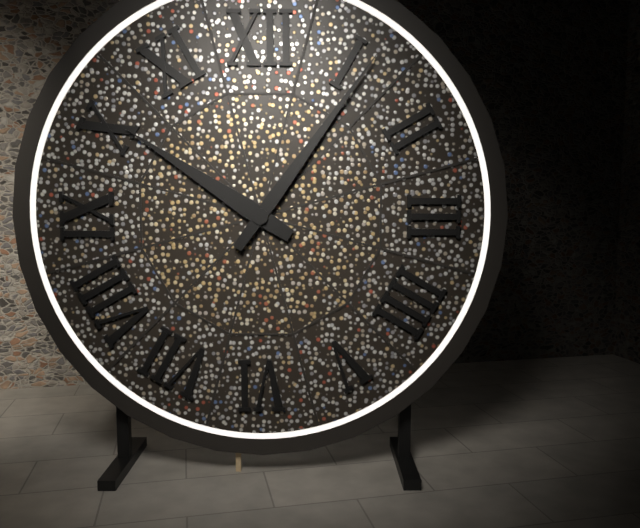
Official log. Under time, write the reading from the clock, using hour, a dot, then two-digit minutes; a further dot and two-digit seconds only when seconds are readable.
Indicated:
10.06
